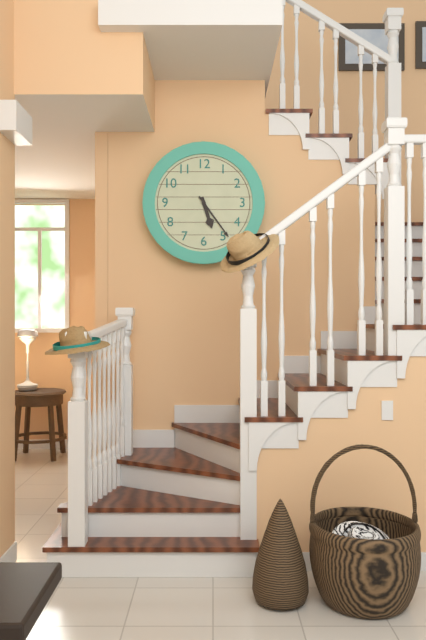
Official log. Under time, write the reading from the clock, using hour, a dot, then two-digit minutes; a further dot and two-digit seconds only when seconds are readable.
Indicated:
5.24
